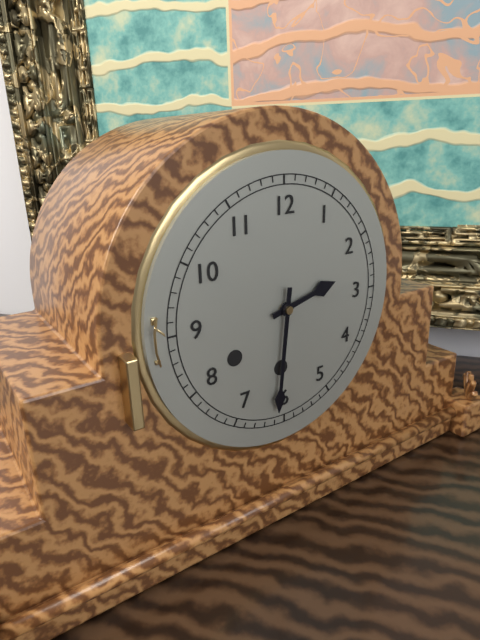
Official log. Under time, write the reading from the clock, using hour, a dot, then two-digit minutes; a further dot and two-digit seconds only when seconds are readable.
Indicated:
2.31
